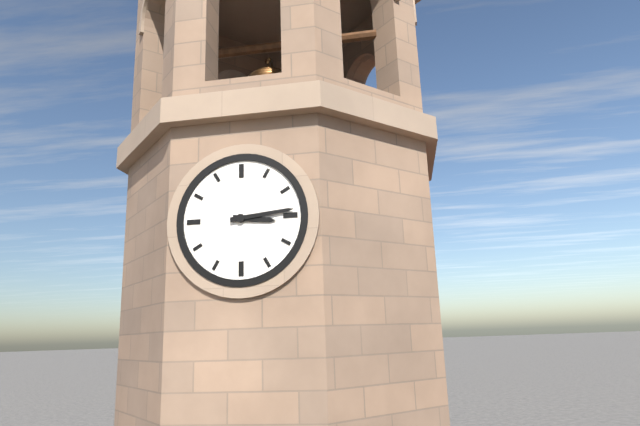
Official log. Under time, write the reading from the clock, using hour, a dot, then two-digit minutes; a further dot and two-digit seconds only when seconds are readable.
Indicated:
3.14
